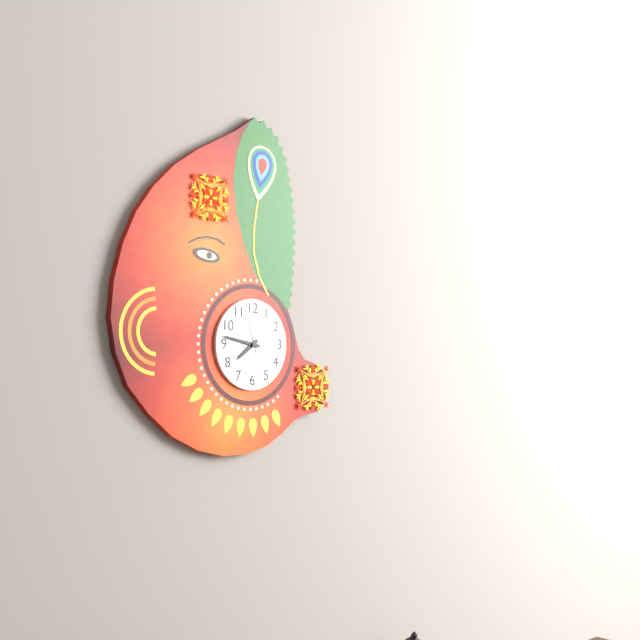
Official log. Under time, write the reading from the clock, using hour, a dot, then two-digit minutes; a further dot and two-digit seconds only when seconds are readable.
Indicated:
7.47.57
